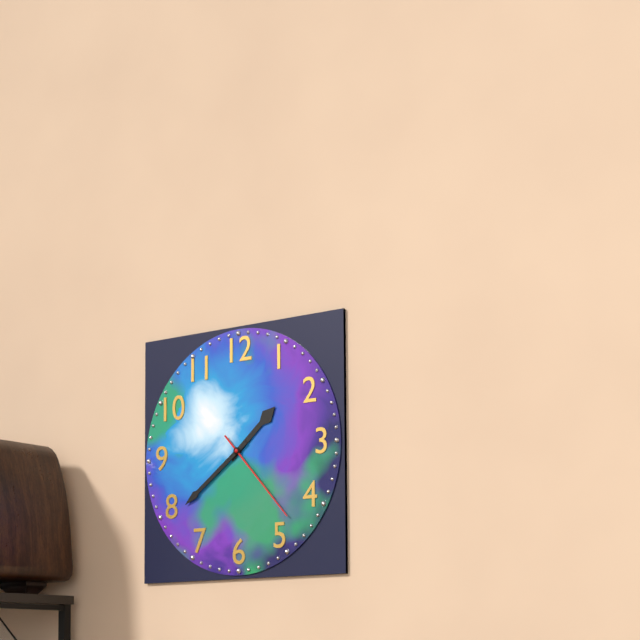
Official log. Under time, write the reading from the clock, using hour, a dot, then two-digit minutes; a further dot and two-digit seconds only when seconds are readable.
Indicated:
1.39.23
